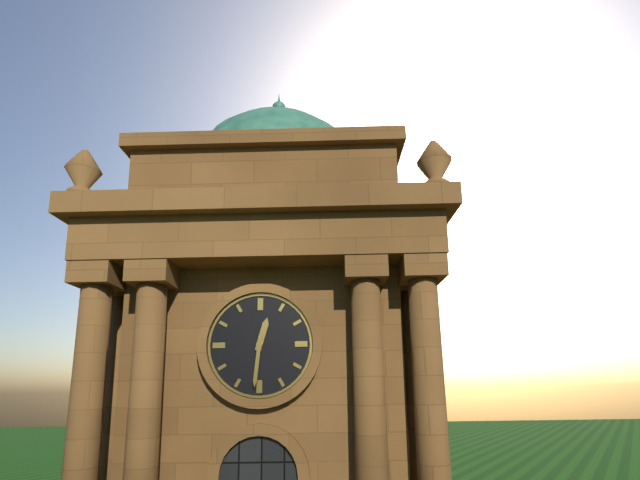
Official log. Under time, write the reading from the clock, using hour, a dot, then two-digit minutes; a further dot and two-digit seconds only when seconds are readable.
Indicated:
12.31
